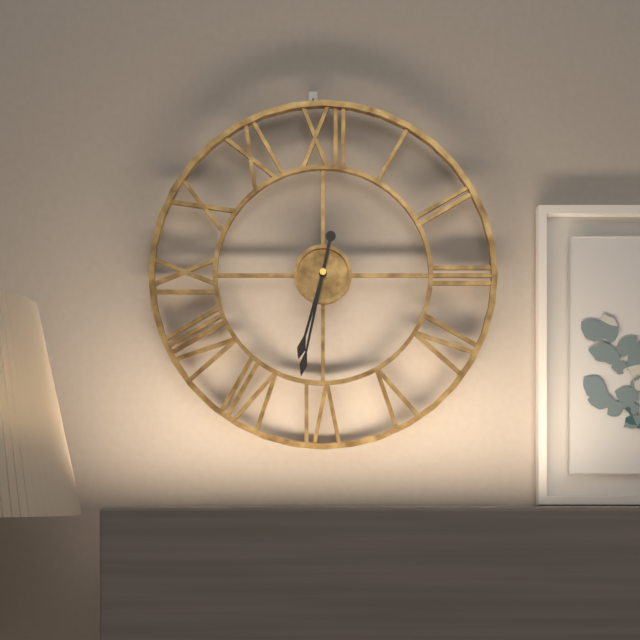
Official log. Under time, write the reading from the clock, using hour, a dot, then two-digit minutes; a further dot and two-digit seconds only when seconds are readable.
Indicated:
6.32
